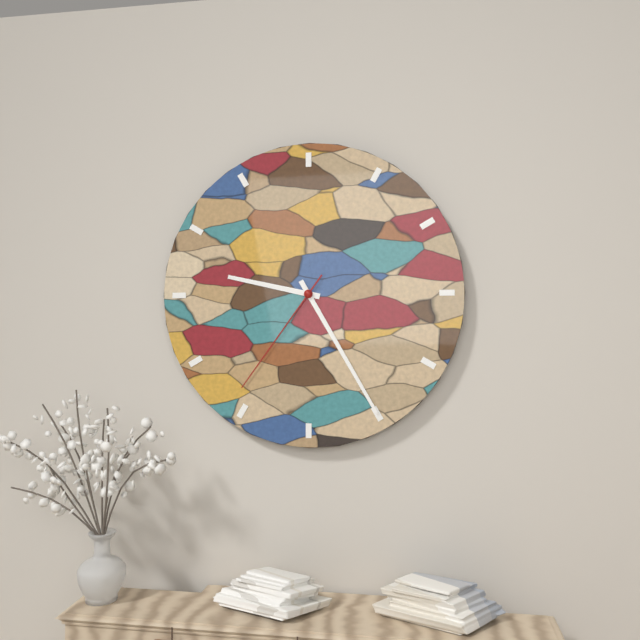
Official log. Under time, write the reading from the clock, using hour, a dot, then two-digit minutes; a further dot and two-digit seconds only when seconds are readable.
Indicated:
9.25.36
